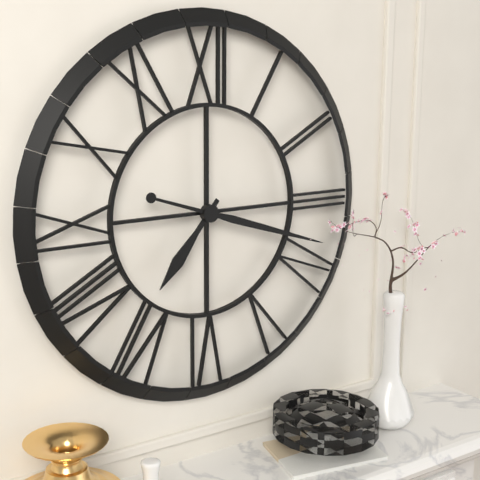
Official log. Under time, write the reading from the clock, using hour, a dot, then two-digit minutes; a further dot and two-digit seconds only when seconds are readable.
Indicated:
7.18
